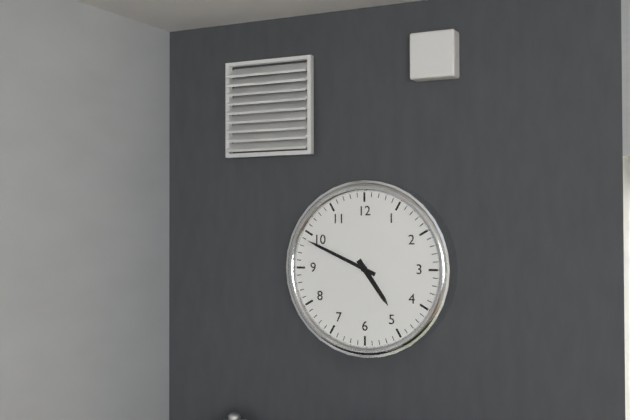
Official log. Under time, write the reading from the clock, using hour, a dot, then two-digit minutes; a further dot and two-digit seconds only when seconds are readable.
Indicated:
4.49
